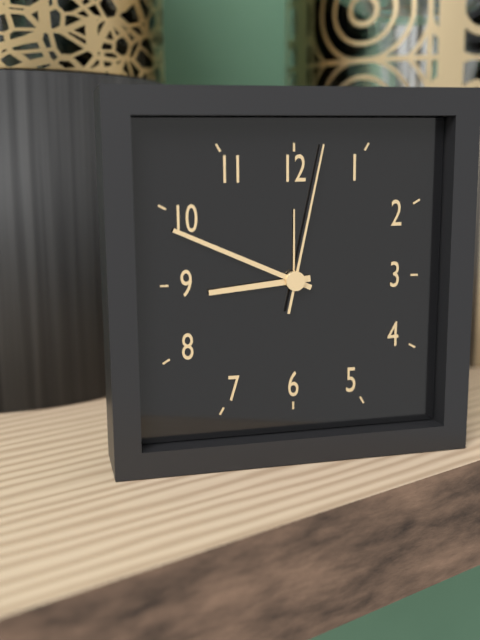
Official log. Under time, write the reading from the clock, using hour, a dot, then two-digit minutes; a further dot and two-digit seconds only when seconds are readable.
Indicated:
8.49.02
